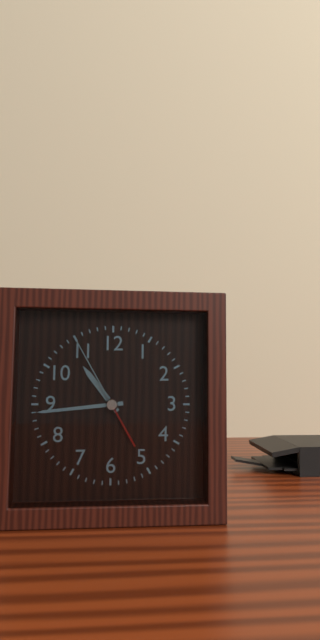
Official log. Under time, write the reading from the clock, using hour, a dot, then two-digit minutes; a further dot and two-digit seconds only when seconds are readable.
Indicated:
10.44.55
